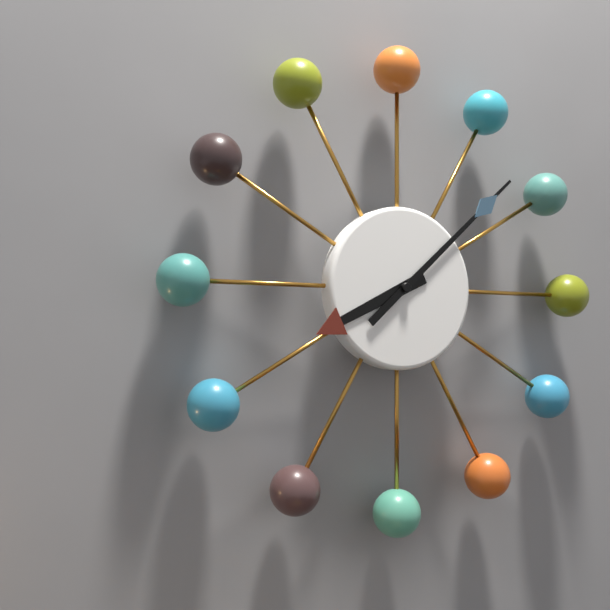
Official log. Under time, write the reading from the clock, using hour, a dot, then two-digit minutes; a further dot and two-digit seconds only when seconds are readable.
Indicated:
8.08
